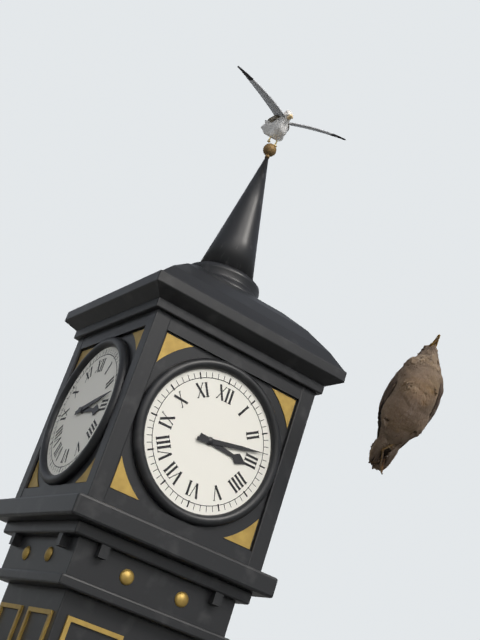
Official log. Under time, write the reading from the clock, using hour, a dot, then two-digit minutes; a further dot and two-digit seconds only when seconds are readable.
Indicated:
3.13
